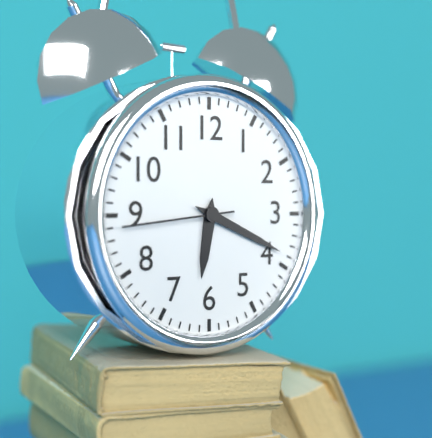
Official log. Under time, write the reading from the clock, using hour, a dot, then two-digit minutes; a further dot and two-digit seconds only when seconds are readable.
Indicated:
6.19.44
